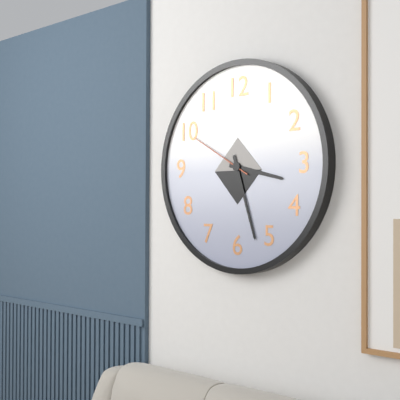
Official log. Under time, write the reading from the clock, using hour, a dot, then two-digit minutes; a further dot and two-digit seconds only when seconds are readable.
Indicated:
3.27.50
